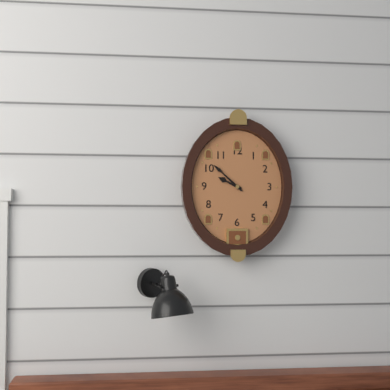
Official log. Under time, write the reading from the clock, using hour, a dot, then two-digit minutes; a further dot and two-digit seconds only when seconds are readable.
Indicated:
9.52
